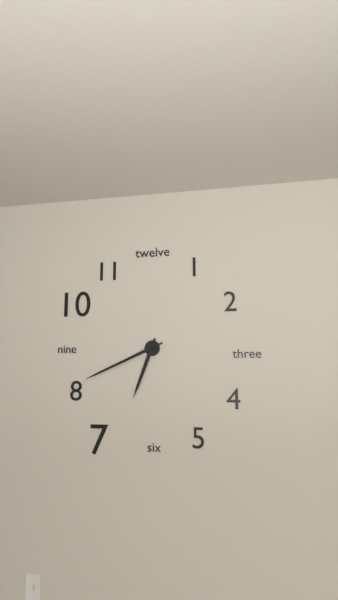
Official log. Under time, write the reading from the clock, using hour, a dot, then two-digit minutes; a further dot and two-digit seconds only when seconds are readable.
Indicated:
6.41
